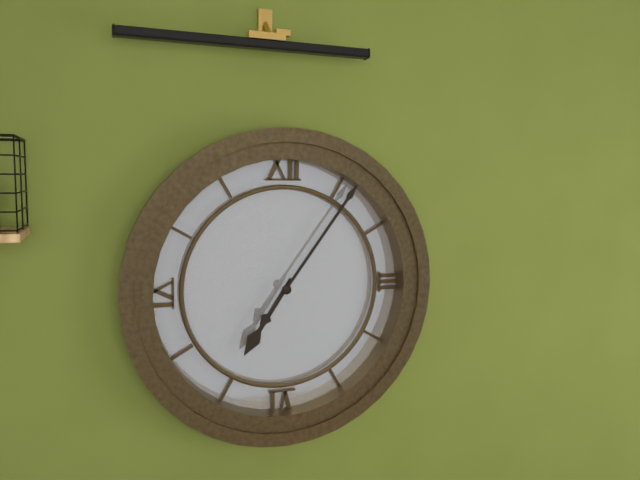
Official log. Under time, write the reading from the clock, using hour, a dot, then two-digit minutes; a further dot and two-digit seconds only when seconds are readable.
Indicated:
7.06
